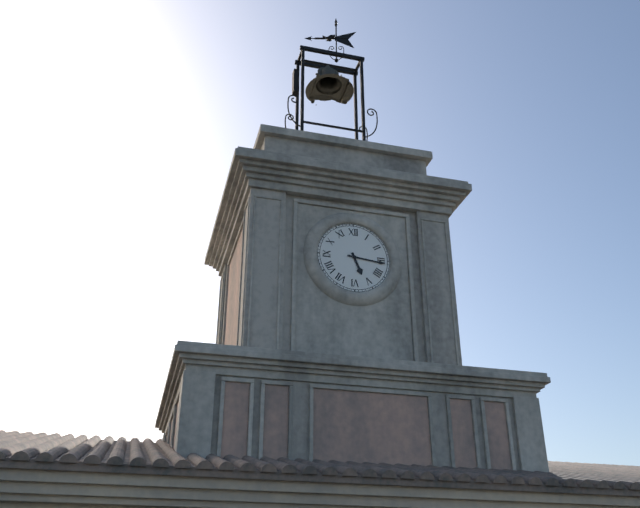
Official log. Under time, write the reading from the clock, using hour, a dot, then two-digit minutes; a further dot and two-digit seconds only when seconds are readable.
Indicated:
5.16
